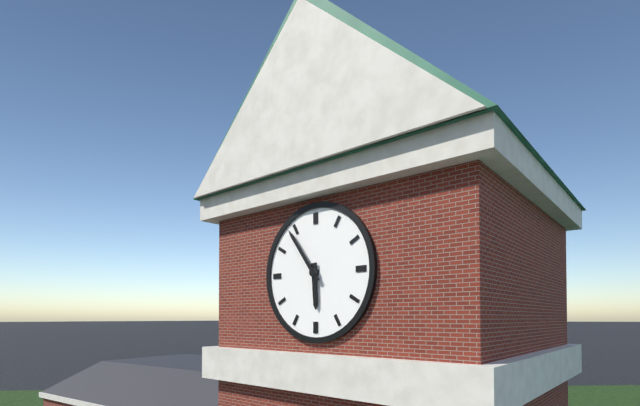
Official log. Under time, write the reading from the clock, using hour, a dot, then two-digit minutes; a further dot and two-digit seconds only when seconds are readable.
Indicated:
5.54
